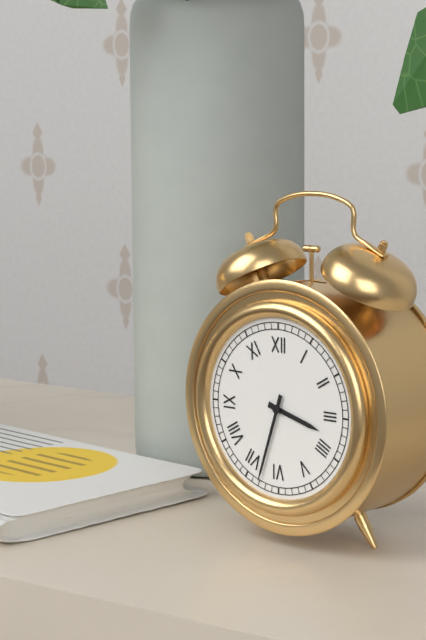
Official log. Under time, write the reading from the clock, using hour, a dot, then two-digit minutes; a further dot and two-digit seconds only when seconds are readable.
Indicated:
3.33
